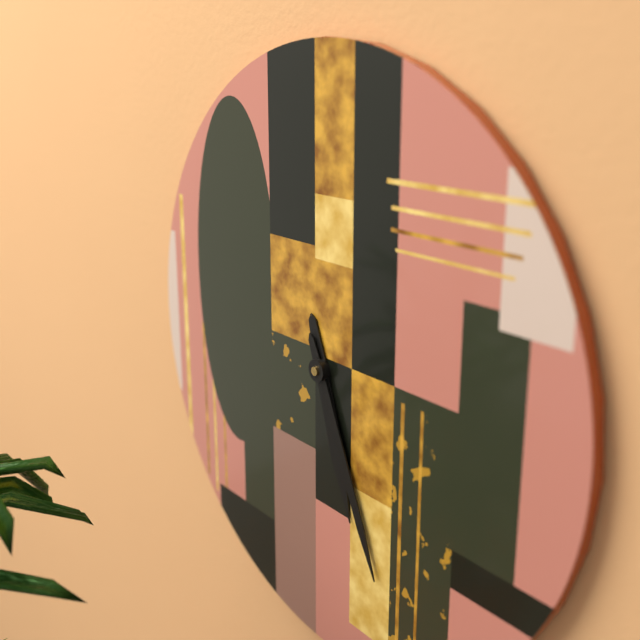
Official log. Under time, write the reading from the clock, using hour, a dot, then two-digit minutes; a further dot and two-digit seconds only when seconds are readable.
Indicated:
5.26
